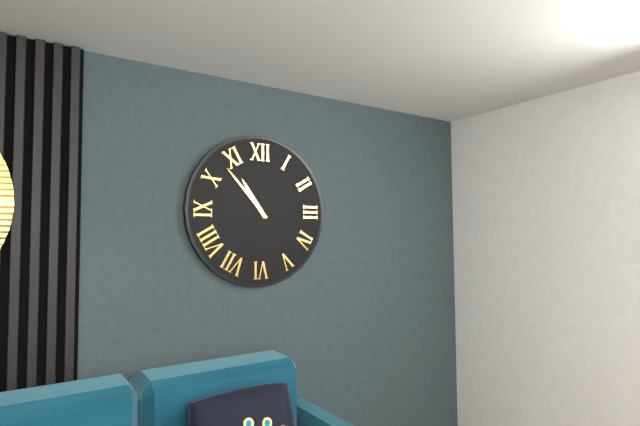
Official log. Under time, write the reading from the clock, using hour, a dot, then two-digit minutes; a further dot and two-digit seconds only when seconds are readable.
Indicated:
10.53
